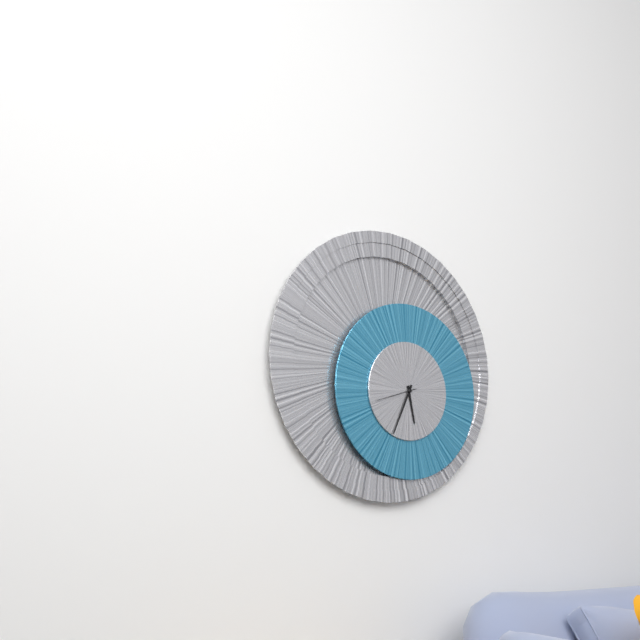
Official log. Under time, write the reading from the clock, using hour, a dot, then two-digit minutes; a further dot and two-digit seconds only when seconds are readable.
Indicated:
5.34
